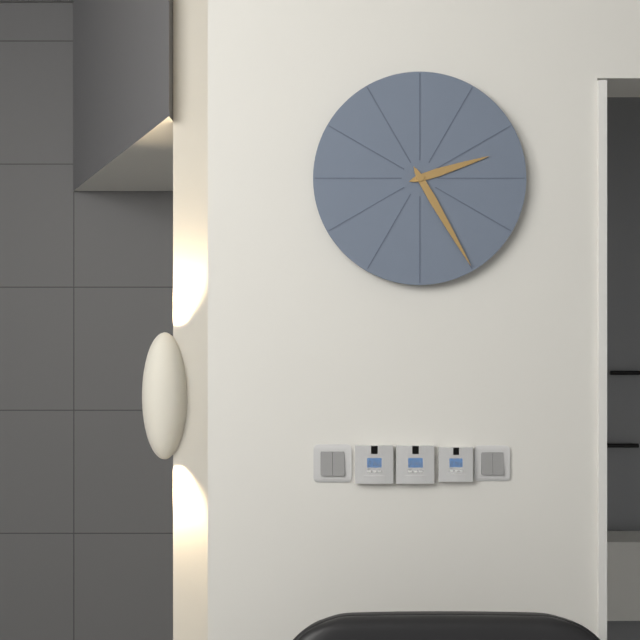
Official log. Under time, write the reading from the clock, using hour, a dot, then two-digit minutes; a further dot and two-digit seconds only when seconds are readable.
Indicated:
2.25
